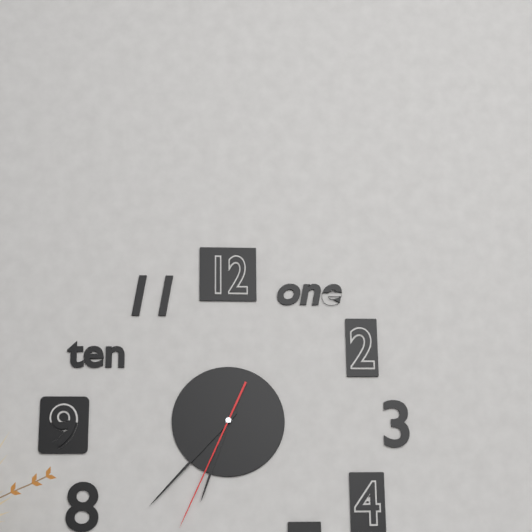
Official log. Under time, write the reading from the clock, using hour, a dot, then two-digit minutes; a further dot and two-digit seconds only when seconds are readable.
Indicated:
6.37.34
